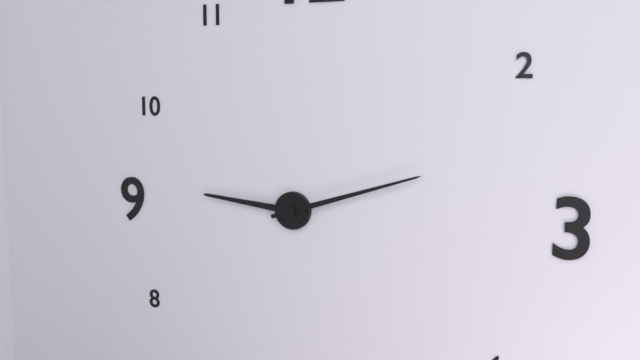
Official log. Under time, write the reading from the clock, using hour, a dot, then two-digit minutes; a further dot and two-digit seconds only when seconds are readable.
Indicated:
9.12
